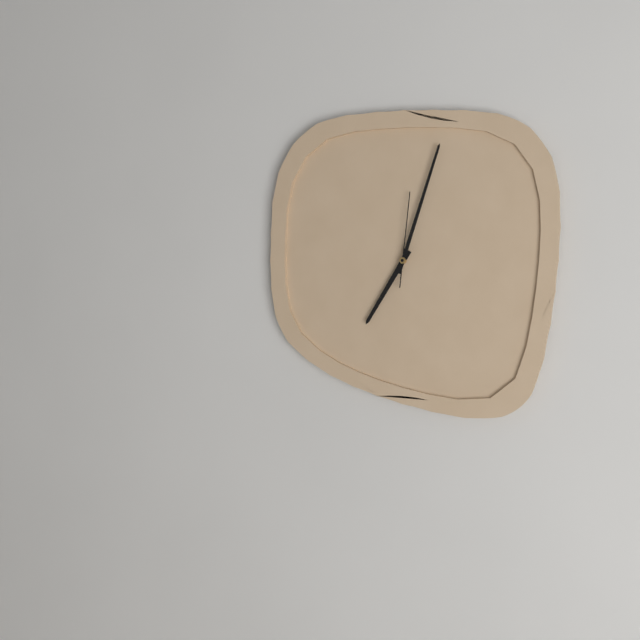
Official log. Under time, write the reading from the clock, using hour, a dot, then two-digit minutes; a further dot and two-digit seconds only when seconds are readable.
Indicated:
7.03.01
